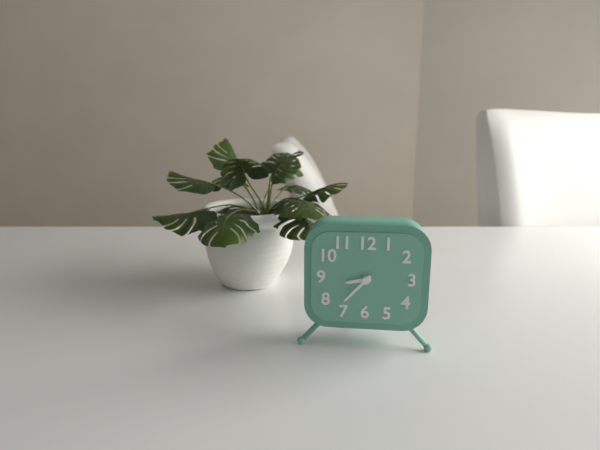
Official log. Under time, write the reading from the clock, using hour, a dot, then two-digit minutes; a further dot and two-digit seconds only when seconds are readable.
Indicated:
8.37
